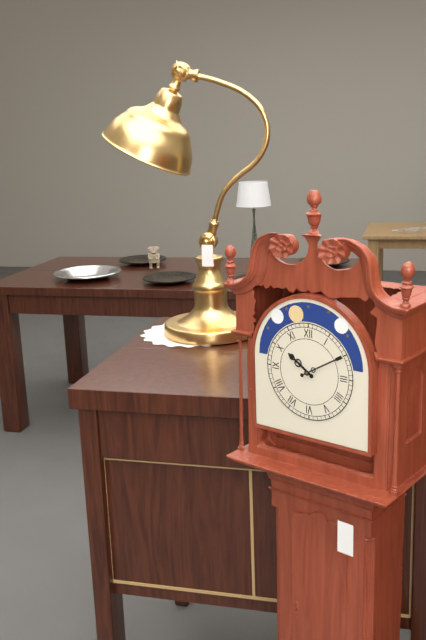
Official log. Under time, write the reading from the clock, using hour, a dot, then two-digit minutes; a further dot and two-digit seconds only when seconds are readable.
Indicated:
10.10
